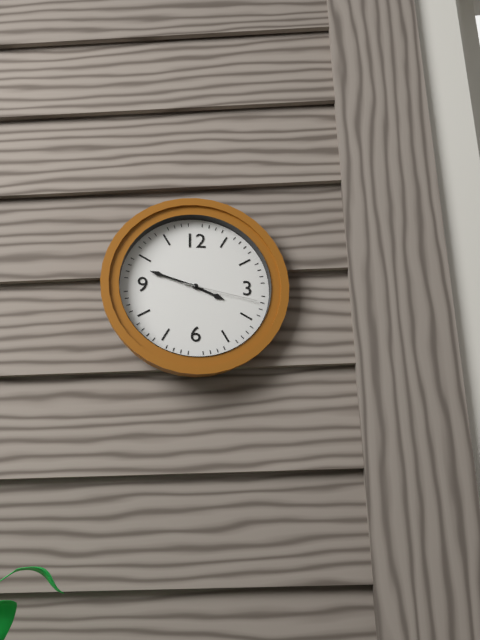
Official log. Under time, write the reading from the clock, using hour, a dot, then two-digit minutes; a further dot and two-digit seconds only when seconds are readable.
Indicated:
3.48.17
